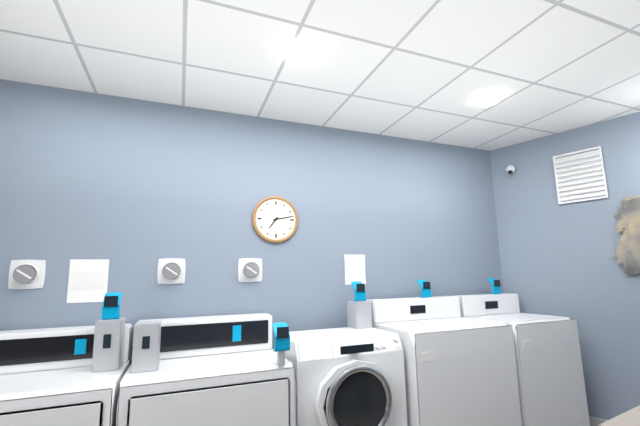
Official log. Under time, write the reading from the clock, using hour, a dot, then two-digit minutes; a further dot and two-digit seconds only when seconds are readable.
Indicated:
7.13
